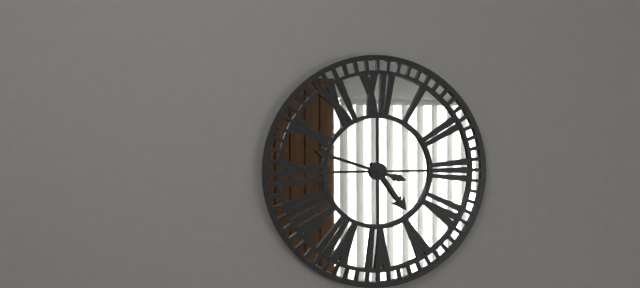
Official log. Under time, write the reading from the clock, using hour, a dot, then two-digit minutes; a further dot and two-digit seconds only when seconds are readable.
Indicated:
4.48
